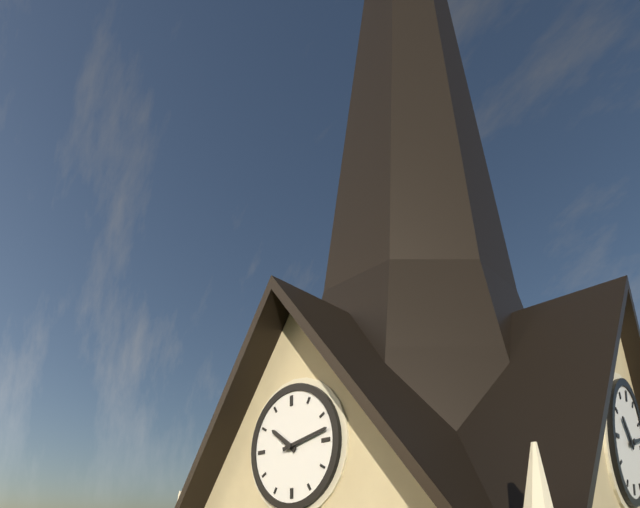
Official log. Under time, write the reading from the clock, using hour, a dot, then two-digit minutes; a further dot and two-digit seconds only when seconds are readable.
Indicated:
10.13
